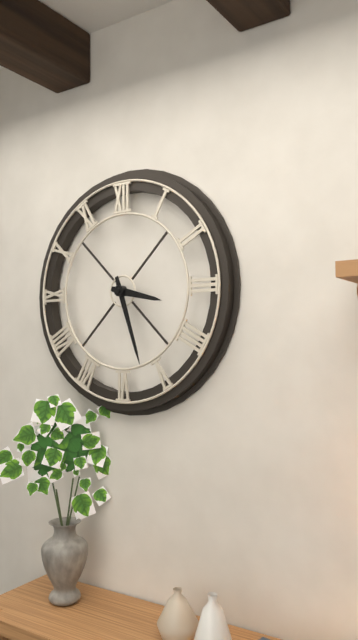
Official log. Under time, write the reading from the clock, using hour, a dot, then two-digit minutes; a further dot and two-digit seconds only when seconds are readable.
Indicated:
3.27
